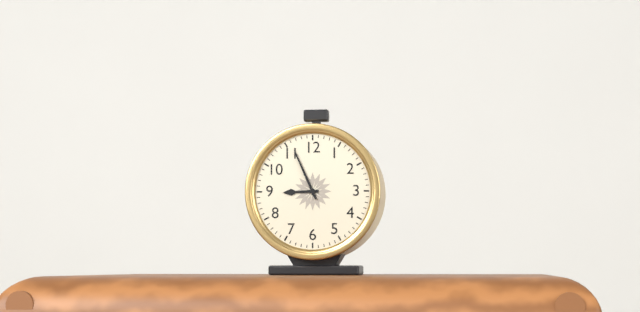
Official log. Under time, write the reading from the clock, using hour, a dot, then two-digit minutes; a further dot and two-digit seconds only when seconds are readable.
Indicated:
8.56
